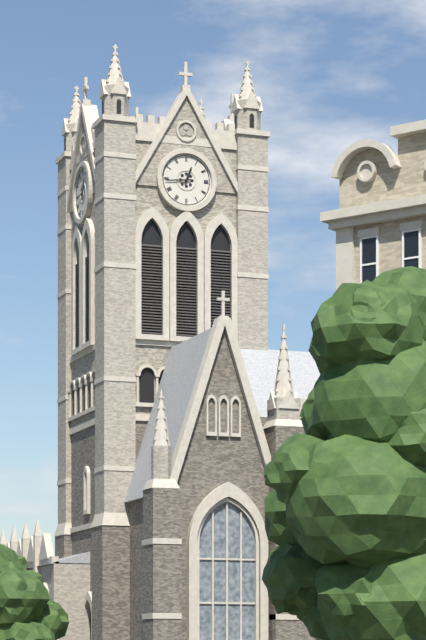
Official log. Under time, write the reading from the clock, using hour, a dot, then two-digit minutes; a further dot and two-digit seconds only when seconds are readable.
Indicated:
12.44
